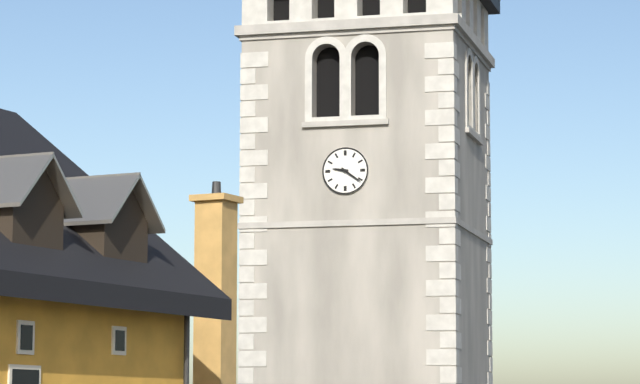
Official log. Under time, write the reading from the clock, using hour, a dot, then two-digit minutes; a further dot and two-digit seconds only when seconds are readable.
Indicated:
9.21
